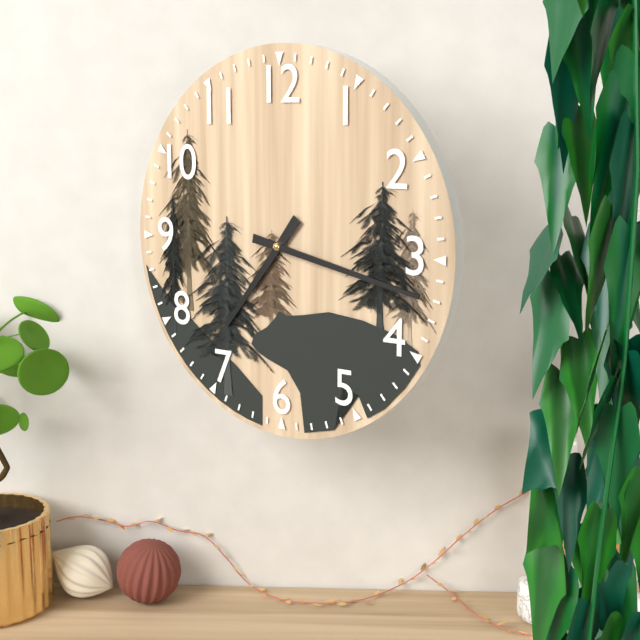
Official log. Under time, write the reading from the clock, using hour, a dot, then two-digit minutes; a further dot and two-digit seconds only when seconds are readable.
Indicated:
7.17
